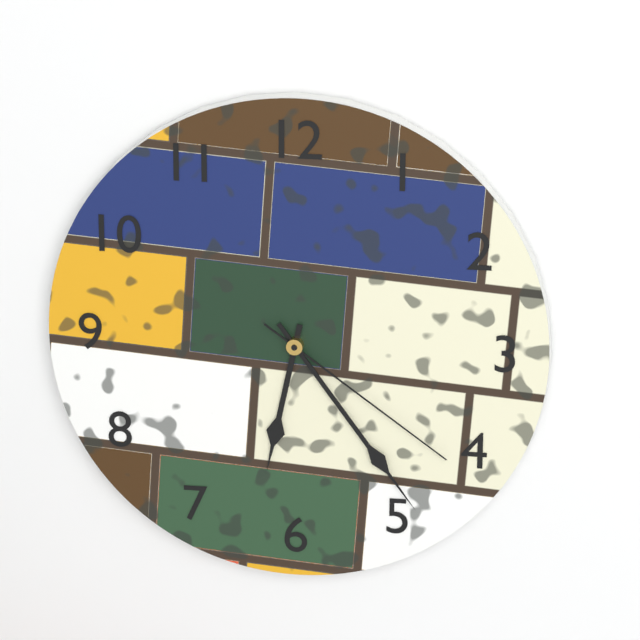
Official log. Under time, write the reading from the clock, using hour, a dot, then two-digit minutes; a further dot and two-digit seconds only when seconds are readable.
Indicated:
6.24.21
